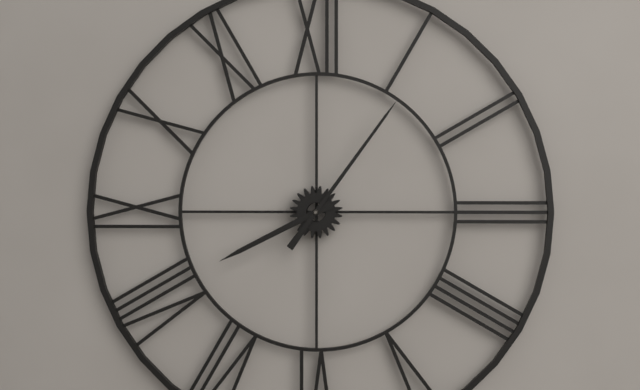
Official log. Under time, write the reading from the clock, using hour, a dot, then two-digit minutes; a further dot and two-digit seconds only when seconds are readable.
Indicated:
8.06
